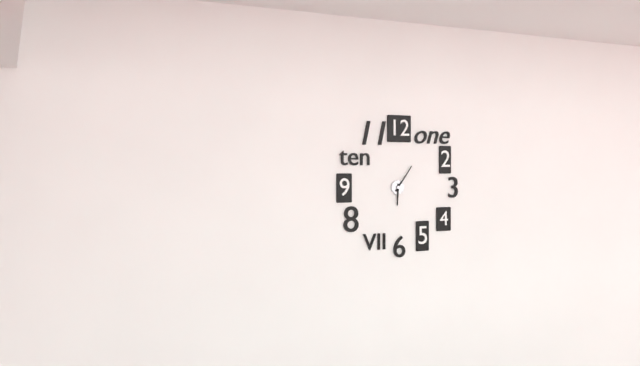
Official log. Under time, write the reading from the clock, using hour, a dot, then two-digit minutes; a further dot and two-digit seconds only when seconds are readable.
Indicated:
6.06
